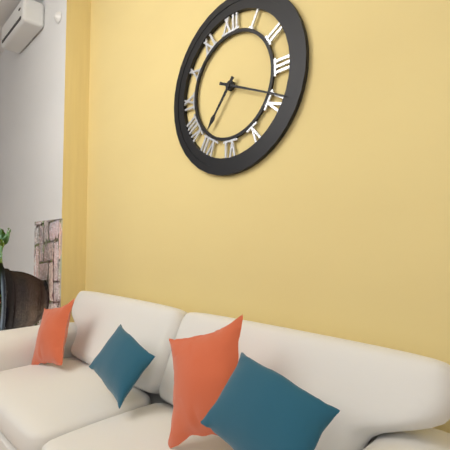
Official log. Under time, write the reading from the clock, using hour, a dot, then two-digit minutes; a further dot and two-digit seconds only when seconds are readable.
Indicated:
7.19
